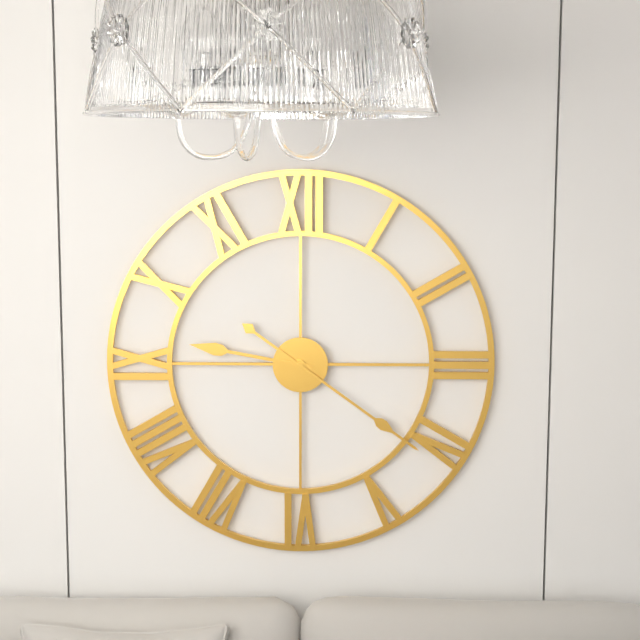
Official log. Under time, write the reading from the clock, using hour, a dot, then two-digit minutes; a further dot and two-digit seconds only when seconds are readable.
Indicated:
9.21
